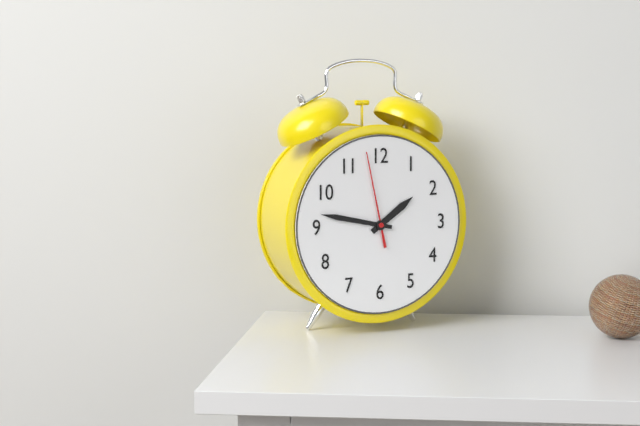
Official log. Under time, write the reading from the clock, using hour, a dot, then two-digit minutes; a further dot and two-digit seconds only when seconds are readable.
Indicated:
1.47.58
